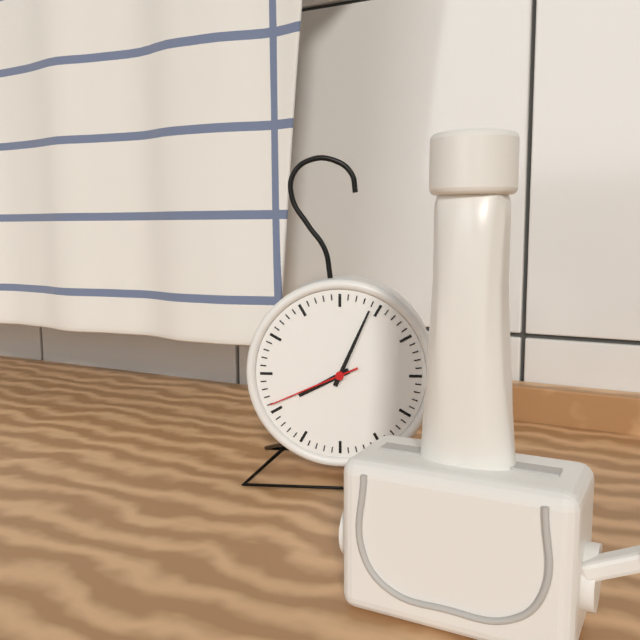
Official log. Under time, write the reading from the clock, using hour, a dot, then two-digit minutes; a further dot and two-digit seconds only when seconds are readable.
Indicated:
8.04.41
